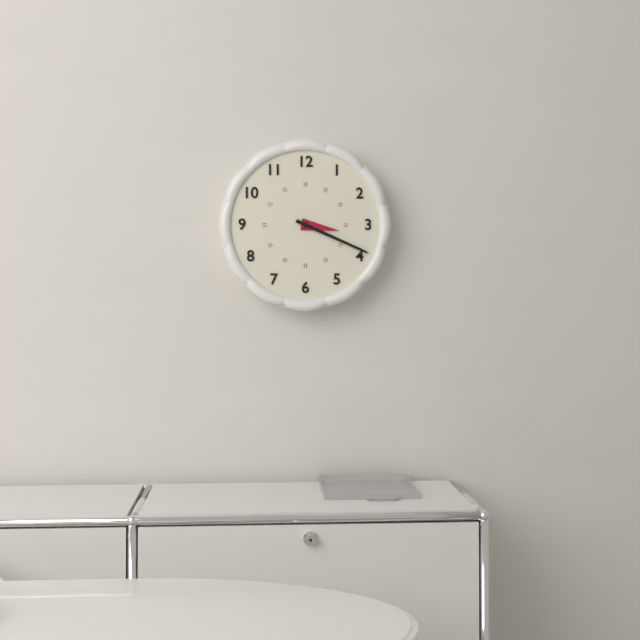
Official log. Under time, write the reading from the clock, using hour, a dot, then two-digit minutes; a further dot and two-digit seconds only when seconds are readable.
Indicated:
3.19
